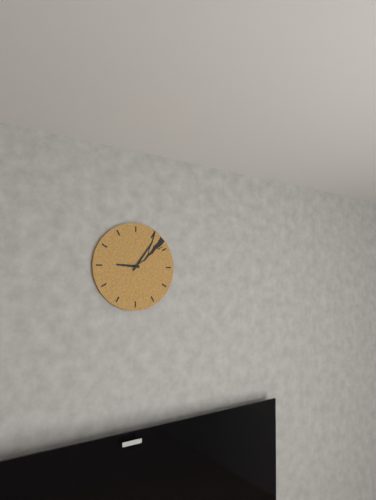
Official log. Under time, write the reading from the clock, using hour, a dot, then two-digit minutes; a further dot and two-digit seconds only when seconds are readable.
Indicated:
9.06
